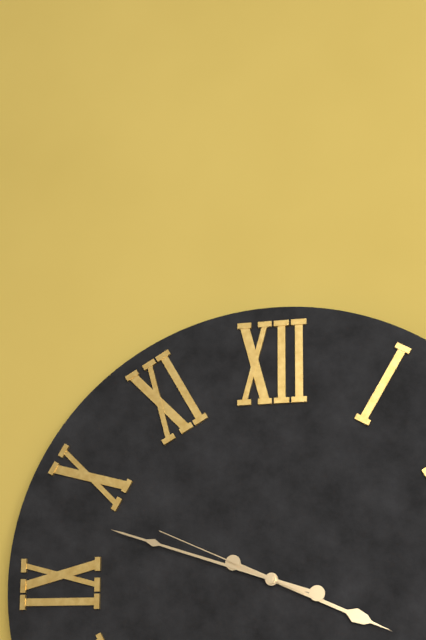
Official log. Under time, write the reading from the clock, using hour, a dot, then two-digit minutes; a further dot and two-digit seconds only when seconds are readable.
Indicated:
3.48.49
